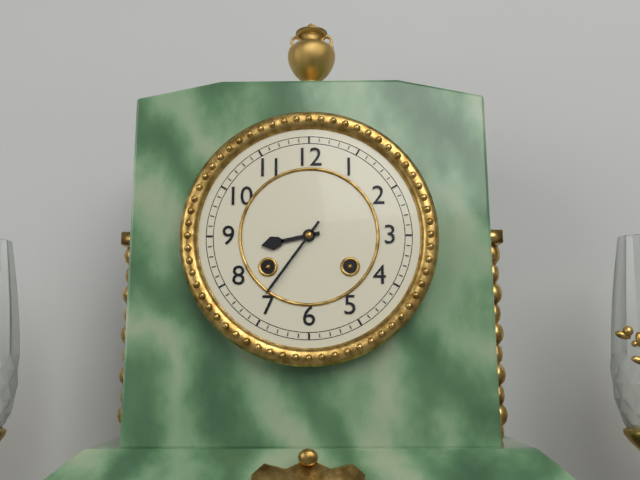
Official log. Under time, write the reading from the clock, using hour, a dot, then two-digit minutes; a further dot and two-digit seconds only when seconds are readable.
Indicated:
8.36
